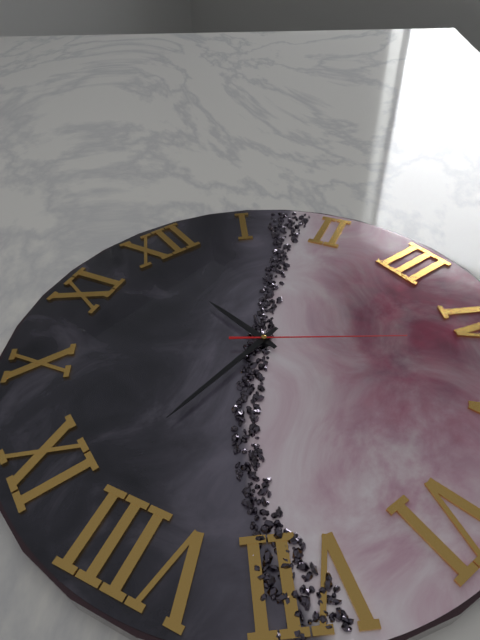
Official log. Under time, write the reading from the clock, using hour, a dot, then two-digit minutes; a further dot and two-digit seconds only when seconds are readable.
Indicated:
11.43.21
